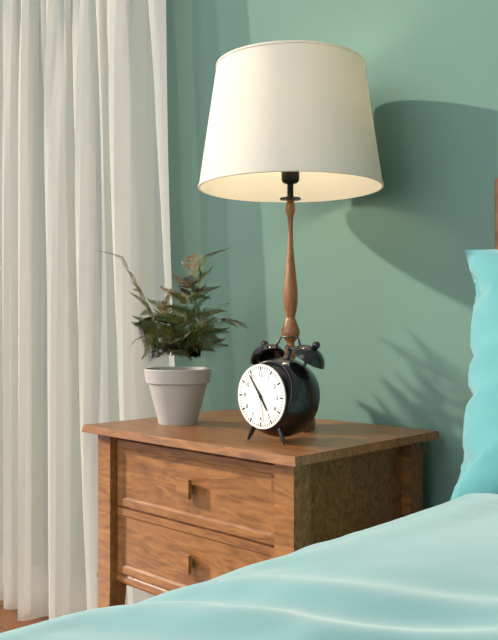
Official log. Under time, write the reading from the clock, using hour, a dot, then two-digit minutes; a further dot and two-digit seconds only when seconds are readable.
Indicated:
4.54
